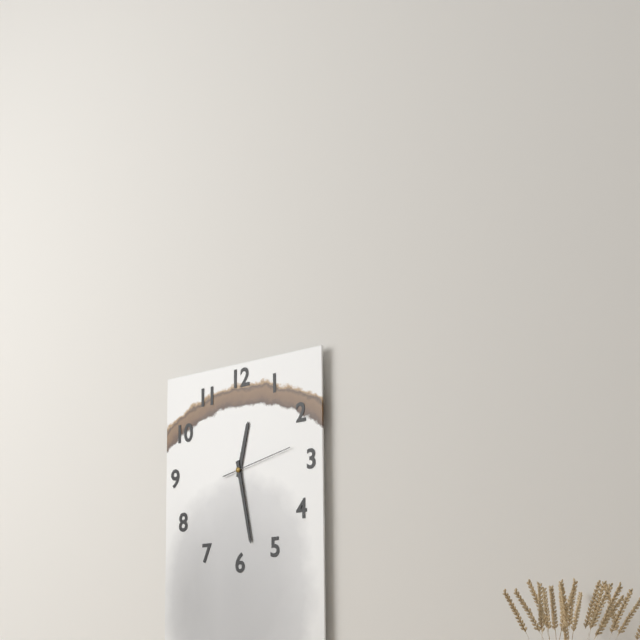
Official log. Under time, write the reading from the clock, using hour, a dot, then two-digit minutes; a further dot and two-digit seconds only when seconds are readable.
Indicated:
12.28.13
